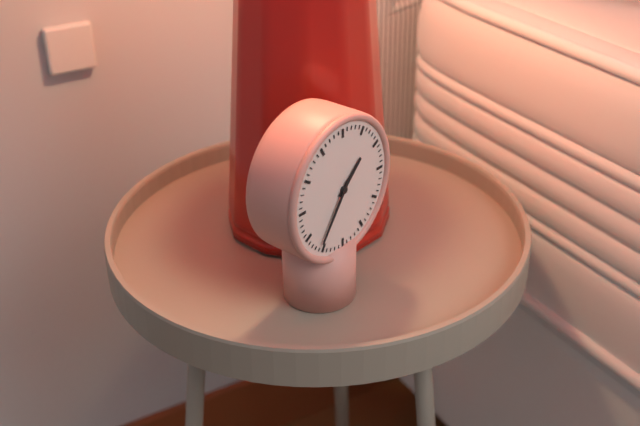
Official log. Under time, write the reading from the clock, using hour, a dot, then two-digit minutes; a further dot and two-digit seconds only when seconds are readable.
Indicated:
1.36
